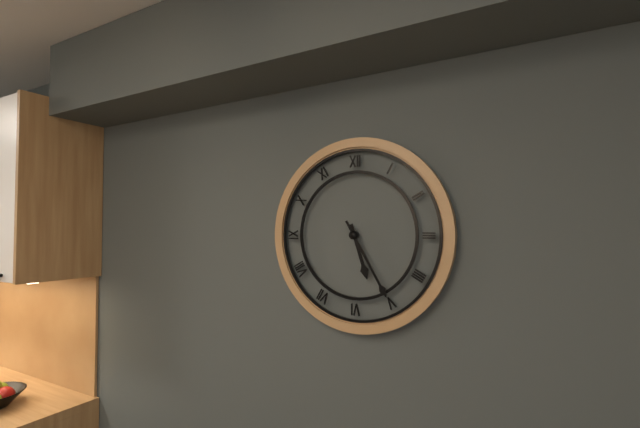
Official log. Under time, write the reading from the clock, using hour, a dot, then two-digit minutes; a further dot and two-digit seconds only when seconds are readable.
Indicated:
5.25
